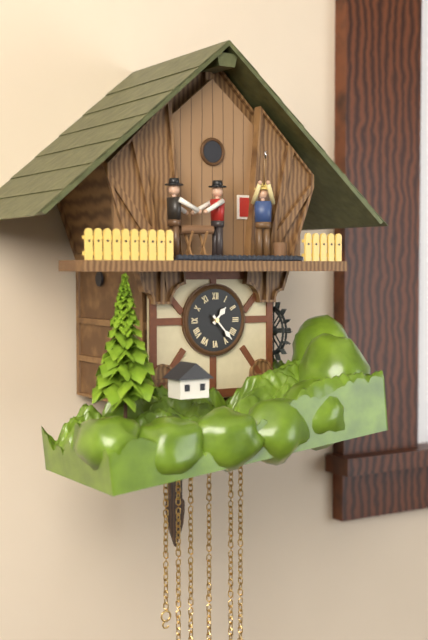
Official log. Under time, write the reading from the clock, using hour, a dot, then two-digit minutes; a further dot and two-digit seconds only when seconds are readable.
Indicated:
1.23
